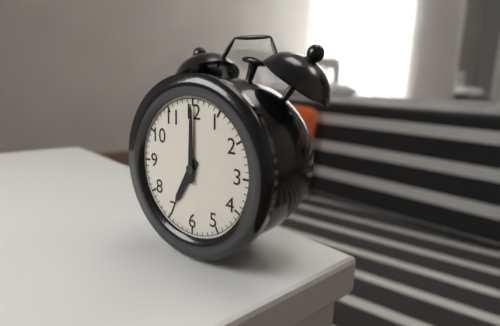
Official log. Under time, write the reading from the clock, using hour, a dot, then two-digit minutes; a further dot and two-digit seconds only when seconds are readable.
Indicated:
7.00
